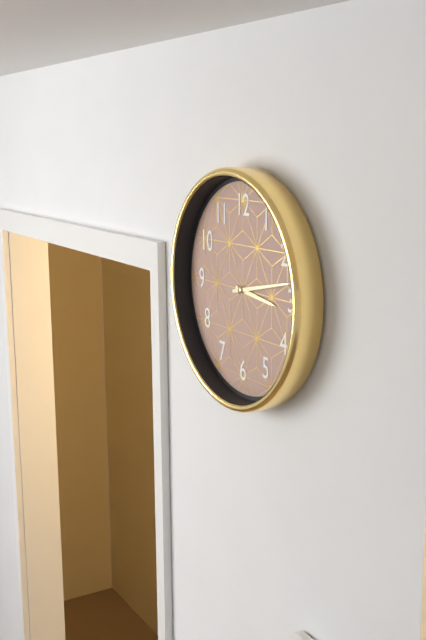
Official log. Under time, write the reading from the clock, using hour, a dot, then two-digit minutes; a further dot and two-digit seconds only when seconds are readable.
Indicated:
3.13
